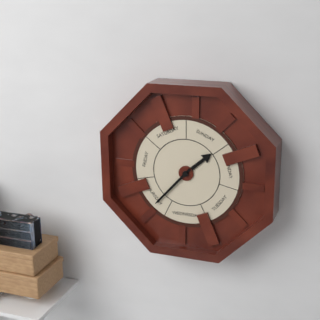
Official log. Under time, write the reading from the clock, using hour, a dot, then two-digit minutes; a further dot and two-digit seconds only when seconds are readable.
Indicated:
1.37
